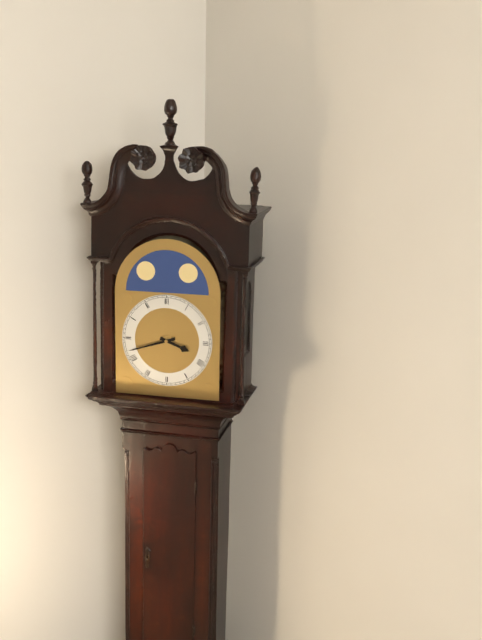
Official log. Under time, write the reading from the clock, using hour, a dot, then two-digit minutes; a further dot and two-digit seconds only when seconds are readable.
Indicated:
3.42
